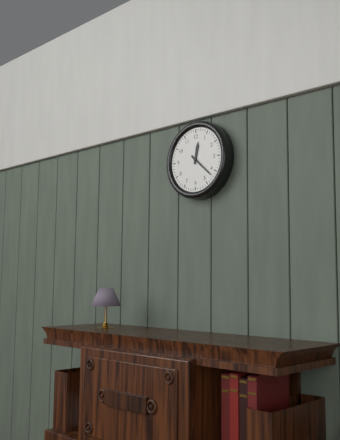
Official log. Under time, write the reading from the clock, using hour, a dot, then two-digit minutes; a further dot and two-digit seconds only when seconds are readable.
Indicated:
12.22
